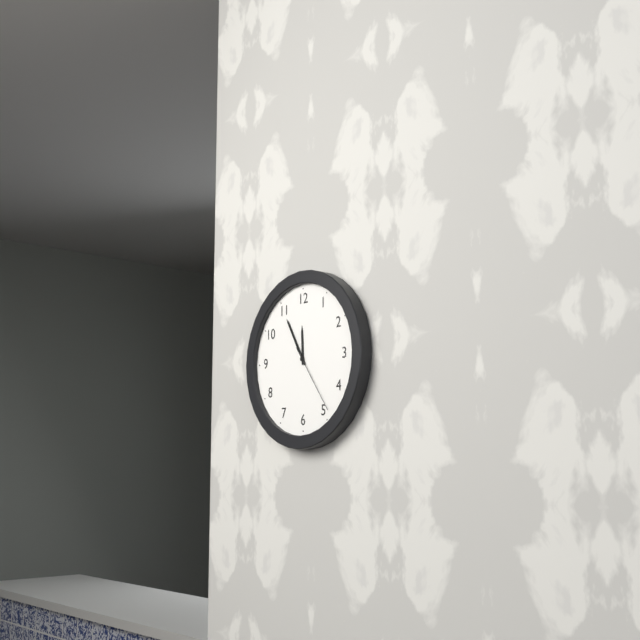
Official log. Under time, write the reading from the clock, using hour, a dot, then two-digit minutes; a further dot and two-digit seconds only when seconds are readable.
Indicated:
11.55.24
